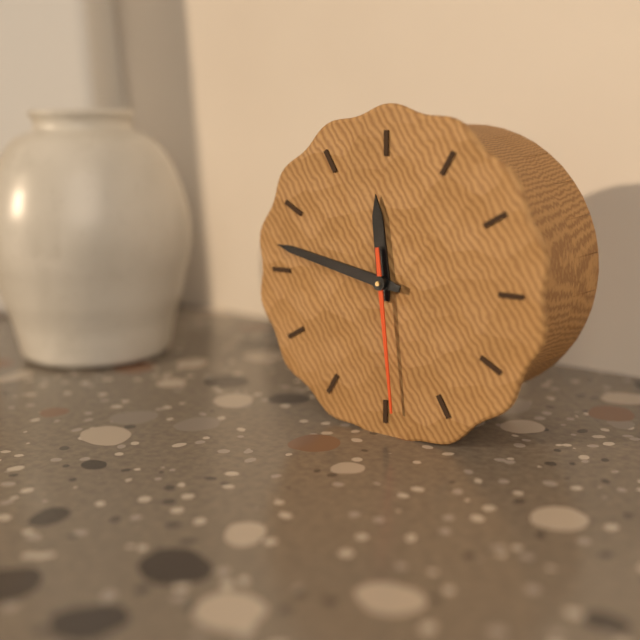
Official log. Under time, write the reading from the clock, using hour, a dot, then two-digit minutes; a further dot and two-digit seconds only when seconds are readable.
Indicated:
11.47.29
